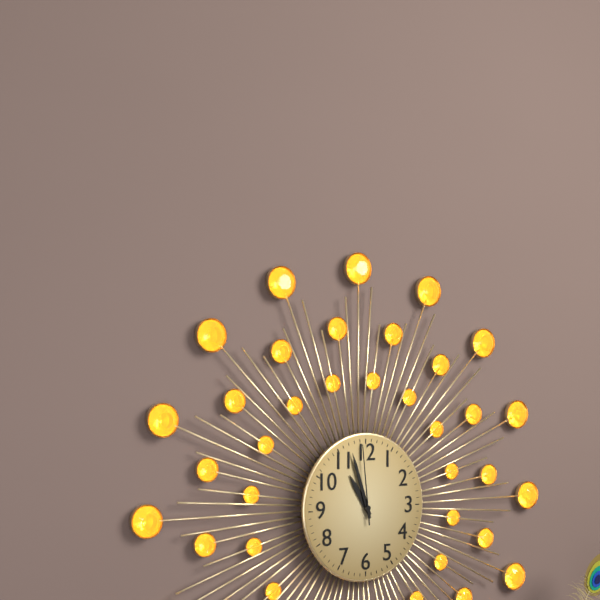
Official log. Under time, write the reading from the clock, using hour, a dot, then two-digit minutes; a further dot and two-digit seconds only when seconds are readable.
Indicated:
10.57.59
